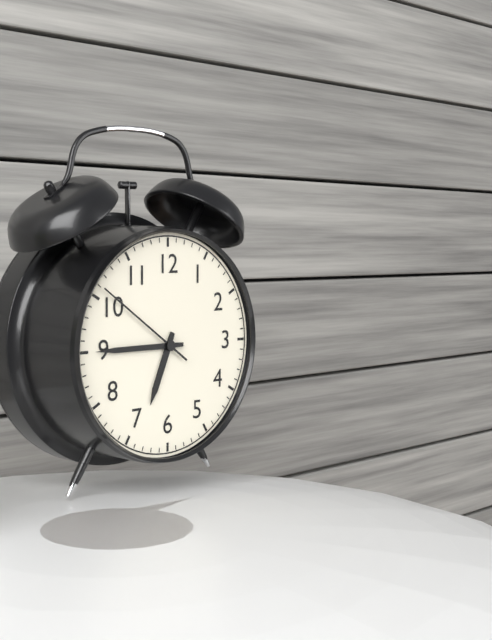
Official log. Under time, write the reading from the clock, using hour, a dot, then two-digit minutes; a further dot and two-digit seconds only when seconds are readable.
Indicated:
6.45.51
